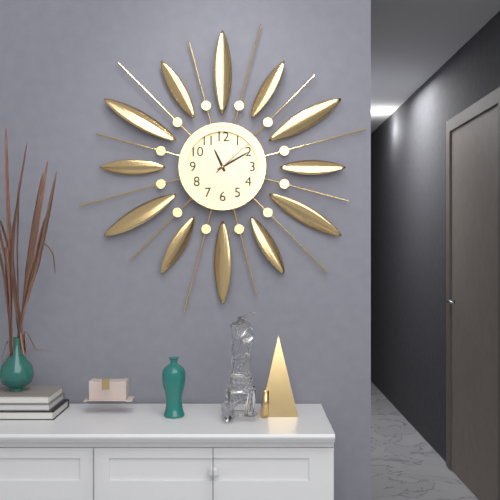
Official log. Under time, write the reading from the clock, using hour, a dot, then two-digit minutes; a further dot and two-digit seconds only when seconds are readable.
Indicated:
11.10
